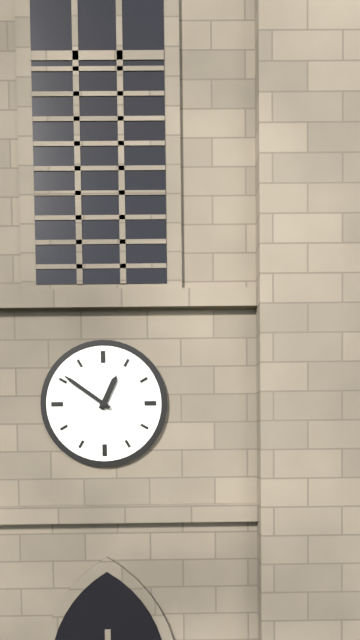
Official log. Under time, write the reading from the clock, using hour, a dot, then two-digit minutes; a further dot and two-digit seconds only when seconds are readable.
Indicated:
12.51
